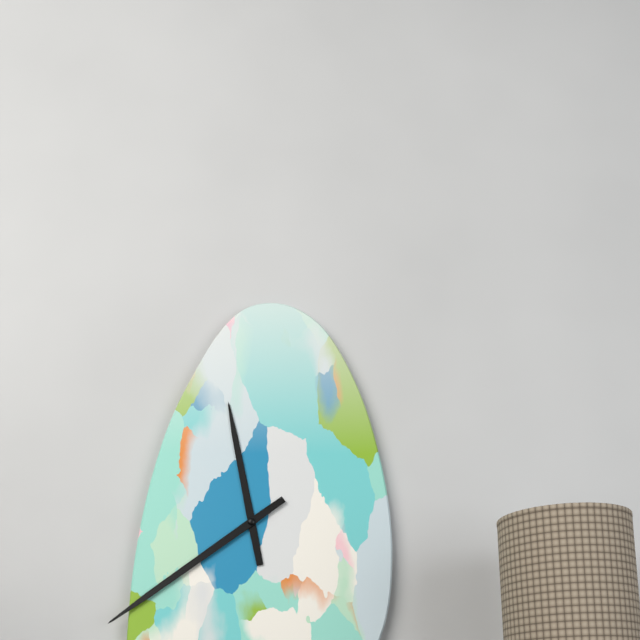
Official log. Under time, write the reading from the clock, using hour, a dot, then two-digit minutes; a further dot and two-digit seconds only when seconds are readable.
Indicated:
11.39
